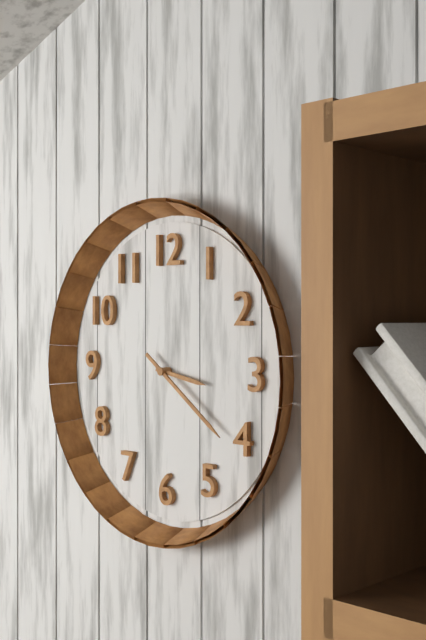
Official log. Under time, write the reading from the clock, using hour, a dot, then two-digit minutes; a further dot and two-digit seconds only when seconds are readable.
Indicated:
3.21
